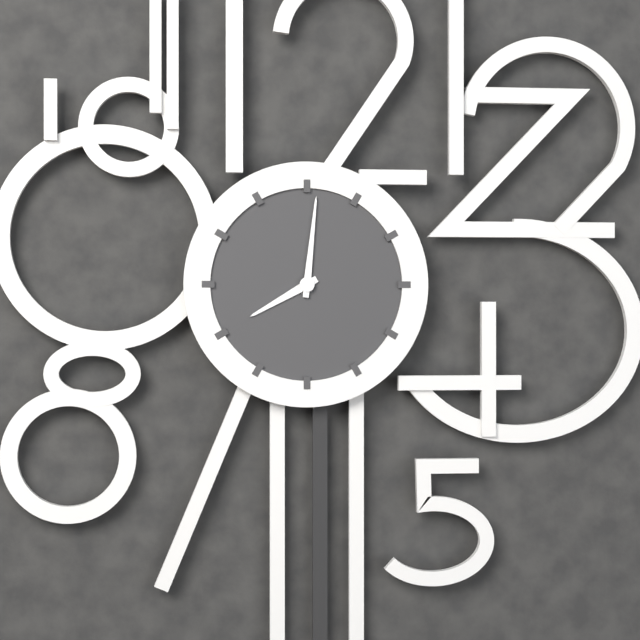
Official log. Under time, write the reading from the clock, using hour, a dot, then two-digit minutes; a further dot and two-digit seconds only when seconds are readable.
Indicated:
8.01
